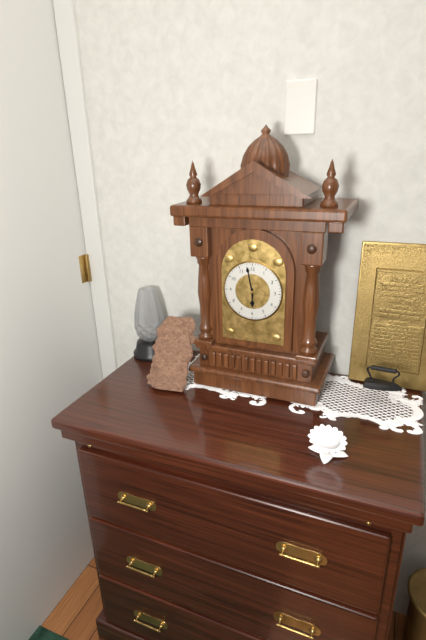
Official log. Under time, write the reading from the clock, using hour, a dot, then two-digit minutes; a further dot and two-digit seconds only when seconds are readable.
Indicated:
5.58
